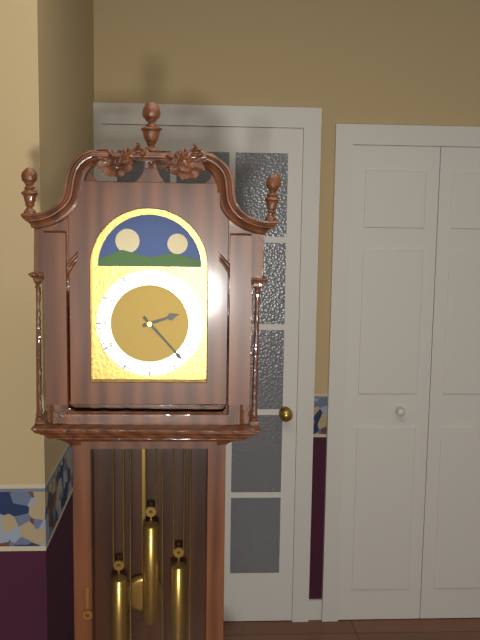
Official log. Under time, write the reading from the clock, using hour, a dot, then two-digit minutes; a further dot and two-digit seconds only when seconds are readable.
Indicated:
2.23
